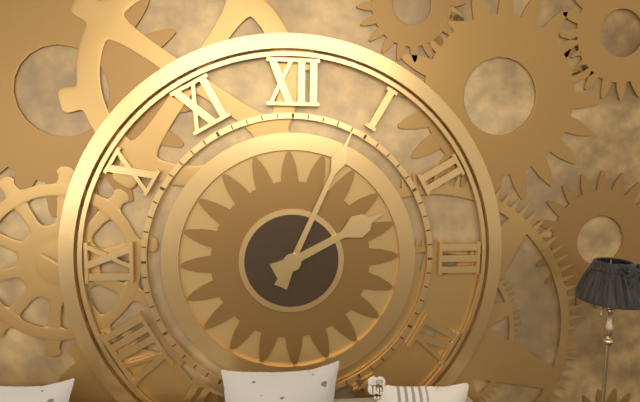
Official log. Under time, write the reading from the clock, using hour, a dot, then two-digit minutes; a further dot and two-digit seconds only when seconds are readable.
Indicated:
2.04
